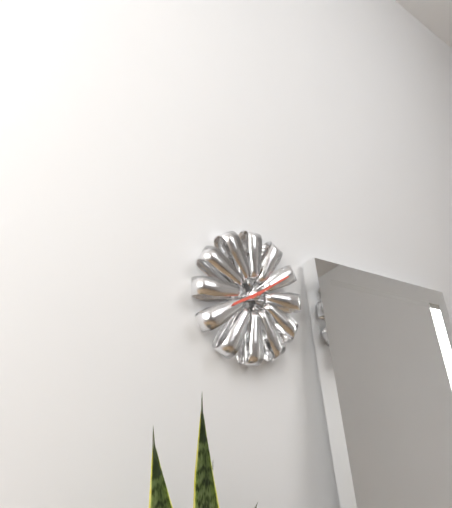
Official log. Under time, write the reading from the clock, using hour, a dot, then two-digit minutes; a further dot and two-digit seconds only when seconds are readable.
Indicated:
8.10
